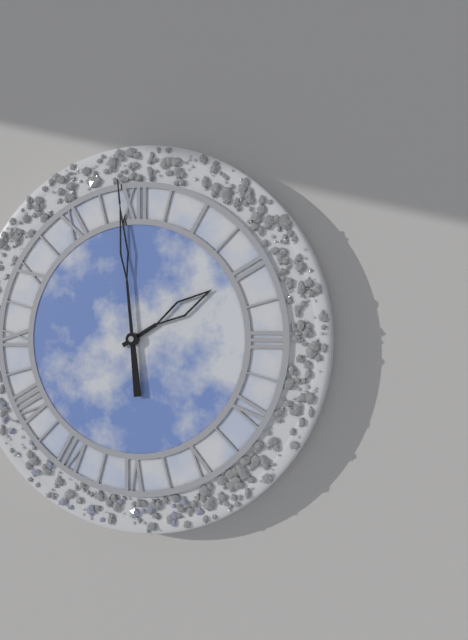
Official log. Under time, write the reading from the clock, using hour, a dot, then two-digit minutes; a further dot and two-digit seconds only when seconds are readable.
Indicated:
1.59
